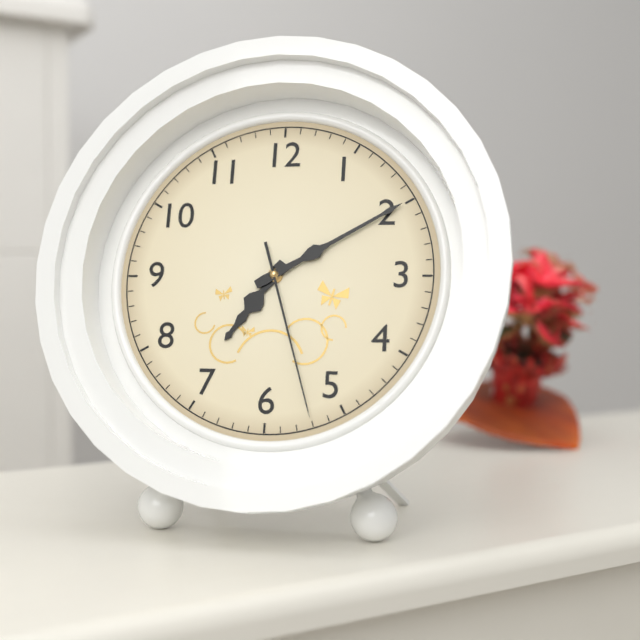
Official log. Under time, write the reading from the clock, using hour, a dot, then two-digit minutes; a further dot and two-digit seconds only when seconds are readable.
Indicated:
7.10.27
